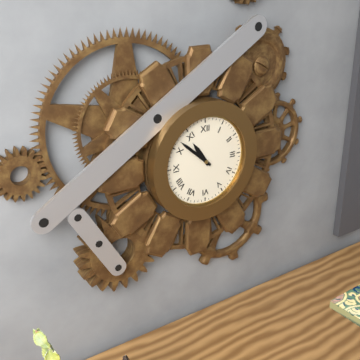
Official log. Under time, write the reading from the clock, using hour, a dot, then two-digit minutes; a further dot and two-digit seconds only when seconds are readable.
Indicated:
10.52
